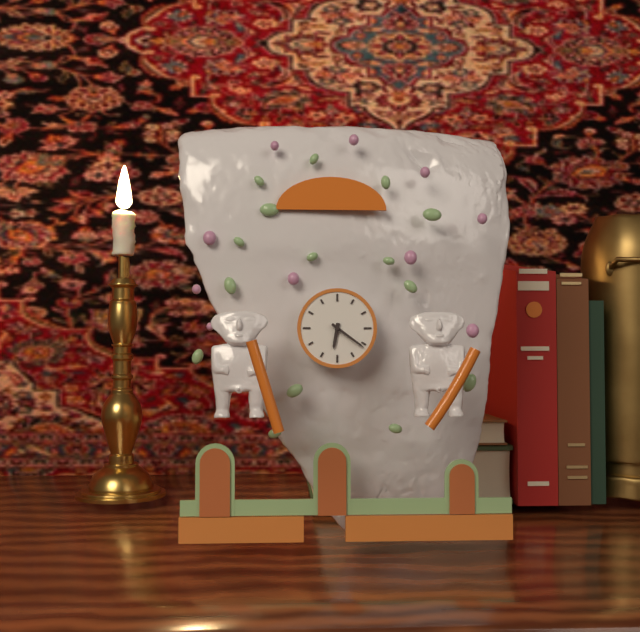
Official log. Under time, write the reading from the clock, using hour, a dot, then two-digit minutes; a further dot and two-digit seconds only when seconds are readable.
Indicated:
6.21
